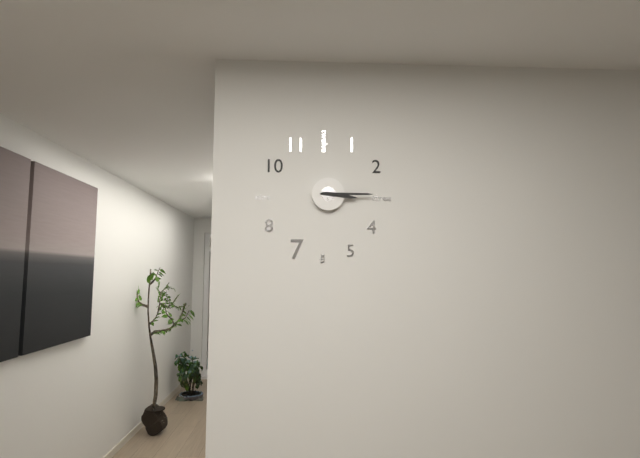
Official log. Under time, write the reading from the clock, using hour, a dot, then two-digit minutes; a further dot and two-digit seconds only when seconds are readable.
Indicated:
3.15
